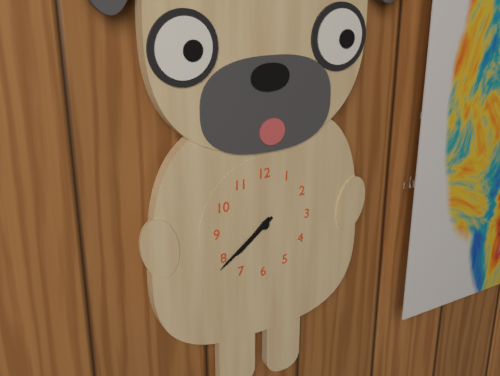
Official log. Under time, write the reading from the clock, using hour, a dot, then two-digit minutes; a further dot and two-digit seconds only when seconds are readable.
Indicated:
7.39
